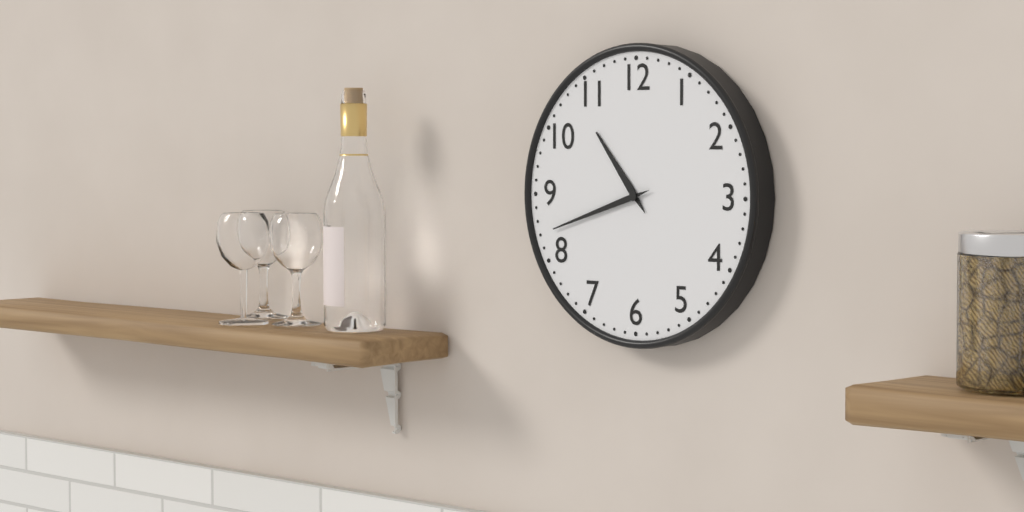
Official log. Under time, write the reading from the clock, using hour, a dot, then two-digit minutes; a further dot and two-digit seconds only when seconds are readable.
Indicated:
10.42
